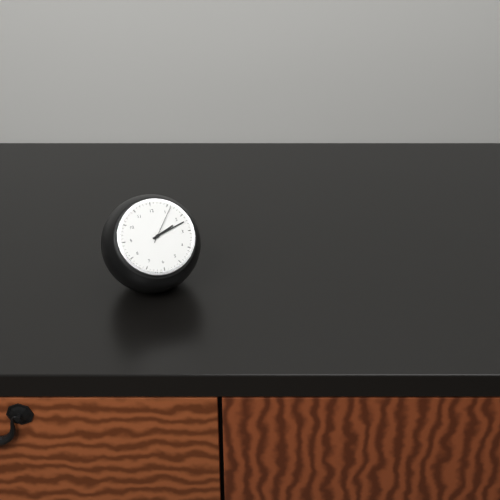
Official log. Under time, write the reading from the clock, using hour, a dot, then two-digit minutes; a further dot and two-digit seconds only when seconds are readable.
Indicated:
2.12
